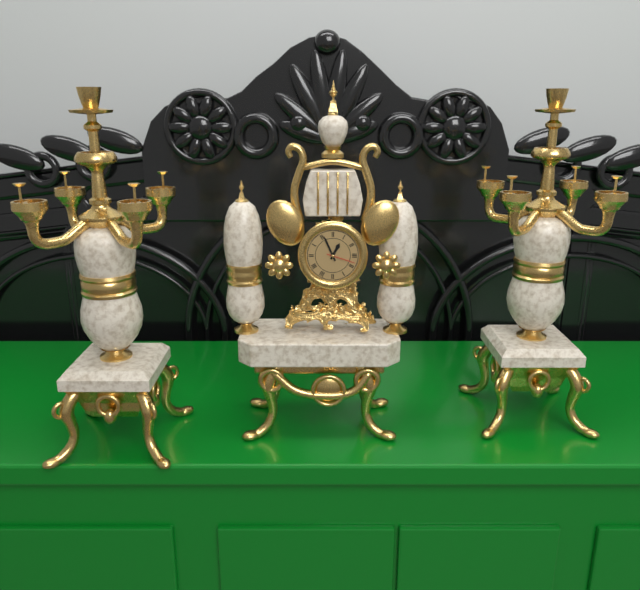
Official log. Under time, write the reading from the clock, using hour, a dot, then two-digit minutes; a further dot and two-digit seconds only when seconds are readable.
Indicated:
12.56
